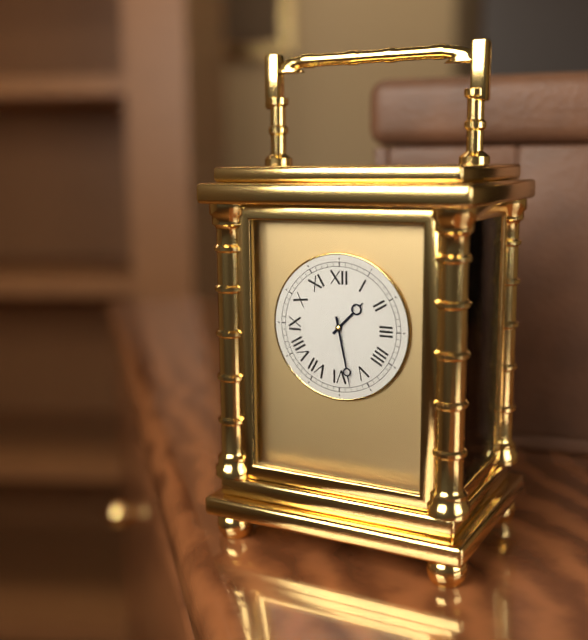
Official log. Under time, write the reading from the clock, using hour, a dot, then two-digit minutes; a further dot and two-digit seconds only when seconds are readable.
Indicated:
1.28
